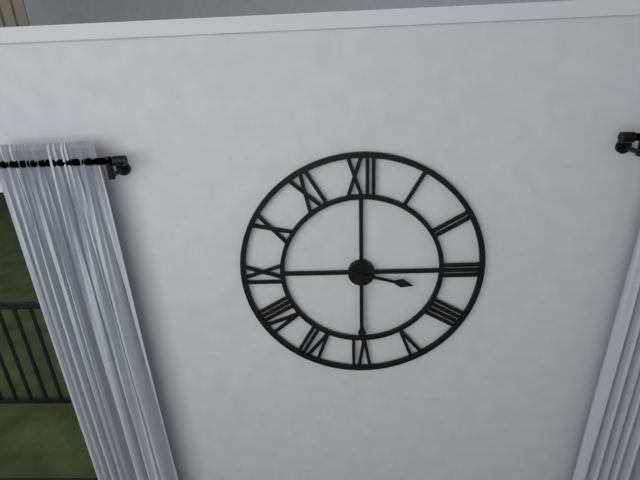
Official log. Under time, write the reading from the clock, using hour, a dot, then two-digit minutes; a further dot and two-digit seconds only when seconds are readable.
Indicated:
3.30
